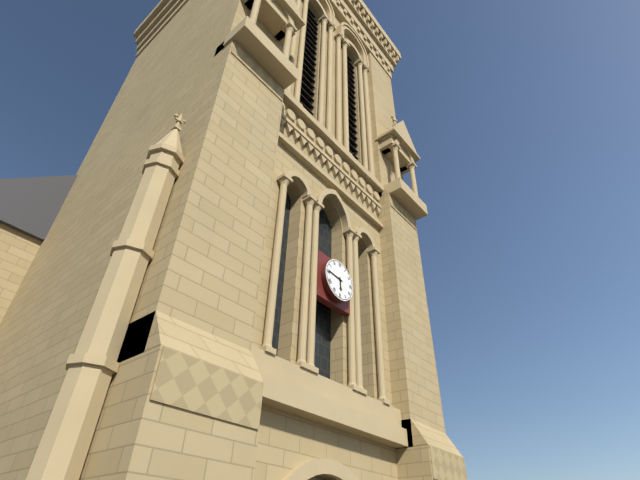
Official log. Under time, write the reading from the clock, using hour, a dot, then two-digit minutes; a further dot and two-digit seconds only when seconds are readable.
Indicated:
5.46
